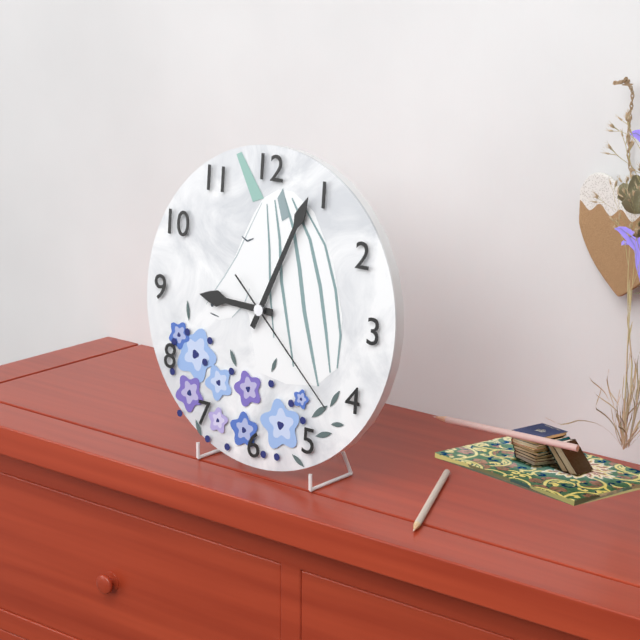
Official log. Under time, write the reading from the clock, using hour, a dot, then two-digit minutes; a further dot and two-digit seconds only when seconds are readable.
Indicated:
9.04.22
